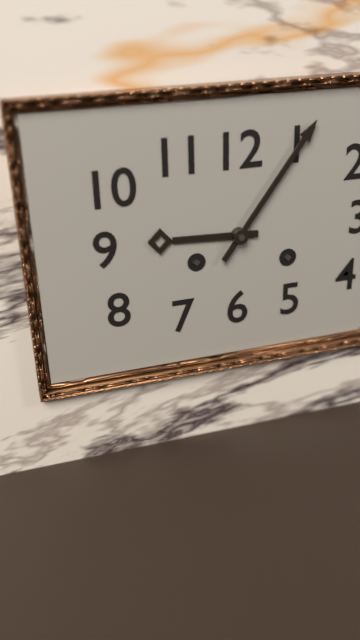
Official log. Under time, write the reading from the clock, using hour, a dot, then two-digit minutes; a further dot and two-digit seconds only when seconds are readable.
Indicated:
9.06
